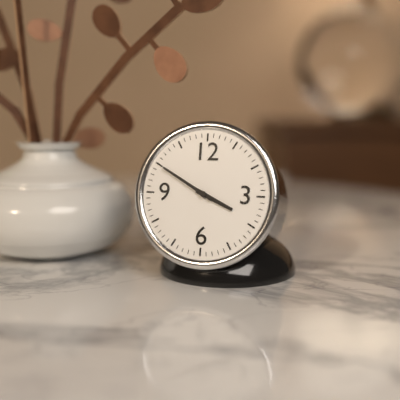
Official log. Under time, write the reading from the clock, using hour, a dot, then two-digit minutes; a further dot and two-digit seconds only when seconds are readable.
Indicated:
3.50
